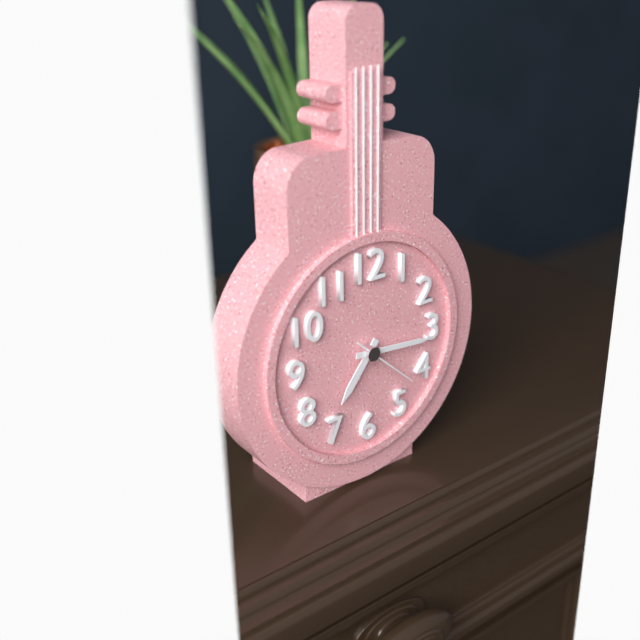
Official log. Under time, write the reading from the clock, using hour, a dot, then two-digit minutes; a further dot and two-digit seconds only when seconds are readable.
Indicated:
7.16.22
